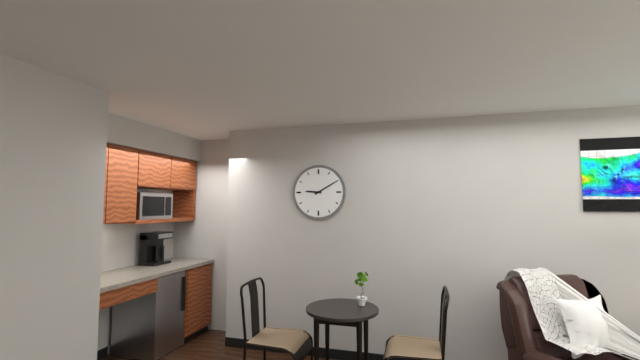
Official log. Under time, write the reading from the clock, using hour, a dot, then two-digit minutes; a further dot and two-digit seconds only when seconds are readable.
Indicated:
9.10
